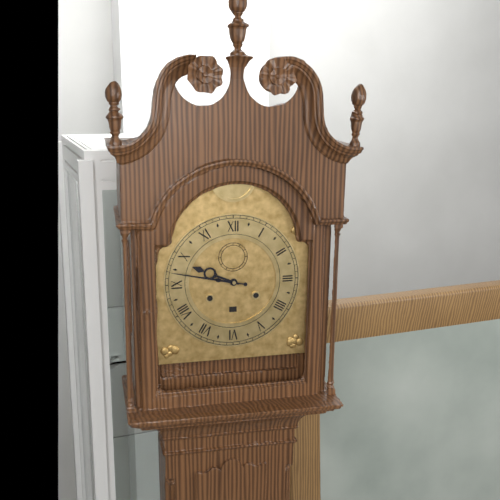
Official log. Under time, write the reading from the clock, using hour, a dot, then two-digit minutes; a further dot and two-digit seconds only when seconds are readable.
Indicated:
9.47
